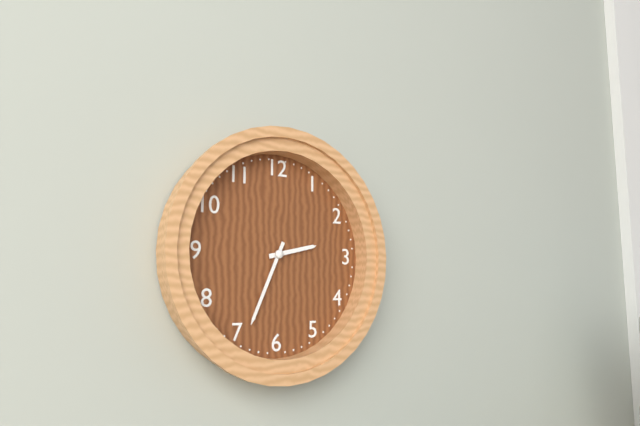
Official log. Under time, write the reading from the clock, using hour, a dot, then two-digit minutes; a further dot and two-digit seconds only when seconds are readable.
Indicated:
2.34
